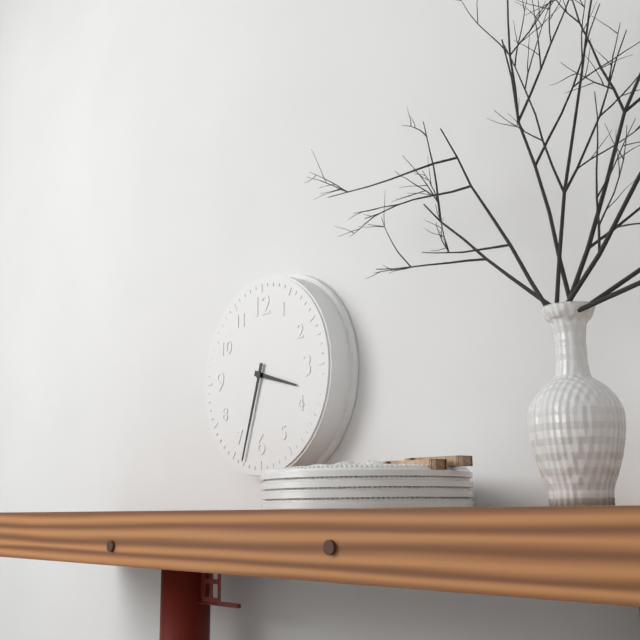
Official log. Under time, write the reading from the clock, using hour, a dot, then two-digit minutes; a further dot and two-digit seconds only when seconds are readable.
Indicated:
3.33
